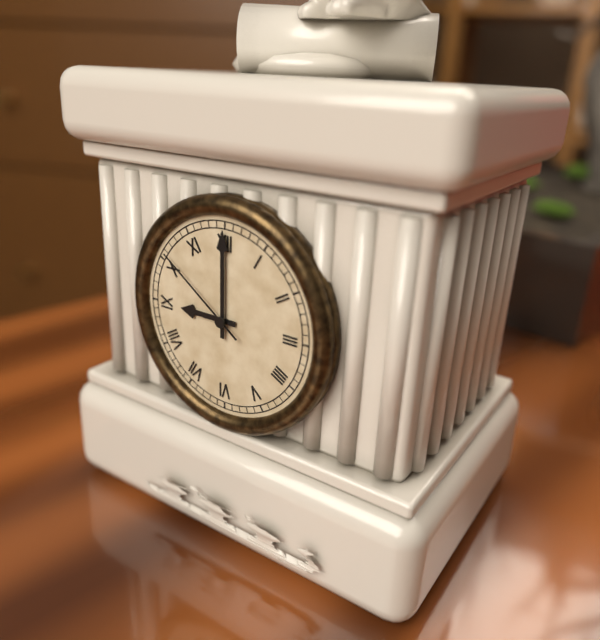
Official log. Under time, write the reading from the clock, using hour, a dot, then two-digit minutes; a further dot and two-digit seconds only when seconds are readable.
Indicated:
9.00.51
